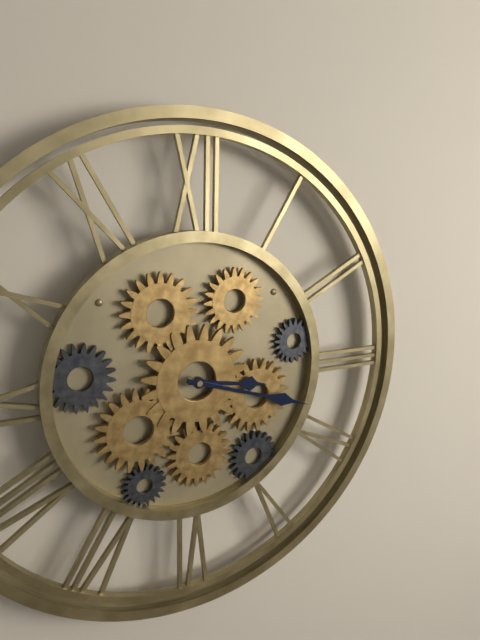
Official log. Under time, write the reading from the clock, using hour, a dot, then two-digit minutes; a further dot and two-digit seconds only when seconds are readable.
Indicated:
3.18
